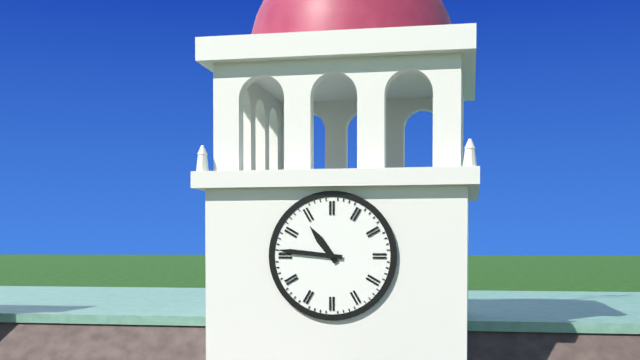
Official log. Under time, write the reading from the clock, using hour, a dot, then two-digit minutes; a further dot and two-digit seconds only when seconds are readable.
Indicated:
10.46
